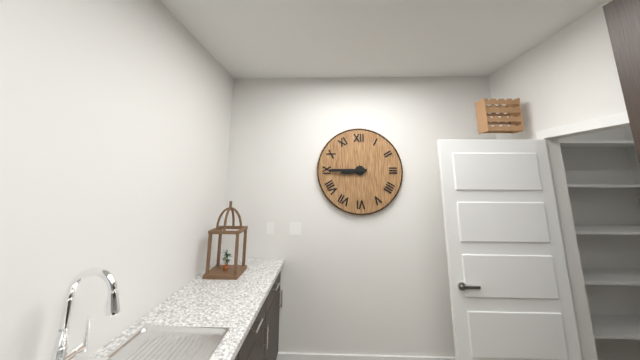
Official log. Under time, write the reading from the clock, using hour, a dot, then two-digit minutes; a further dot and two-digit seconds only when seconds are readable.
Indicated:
8.45
